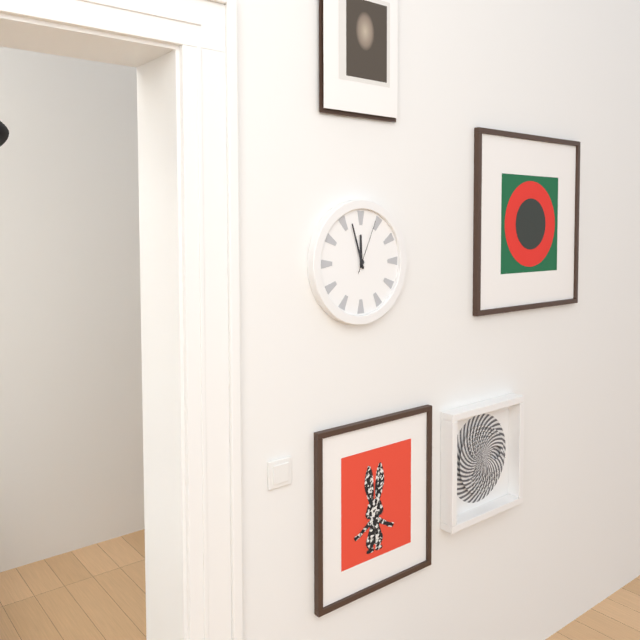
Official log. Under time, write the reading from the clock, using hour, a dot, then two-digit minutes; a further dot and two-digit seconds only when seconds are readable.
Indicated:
11.57.04
